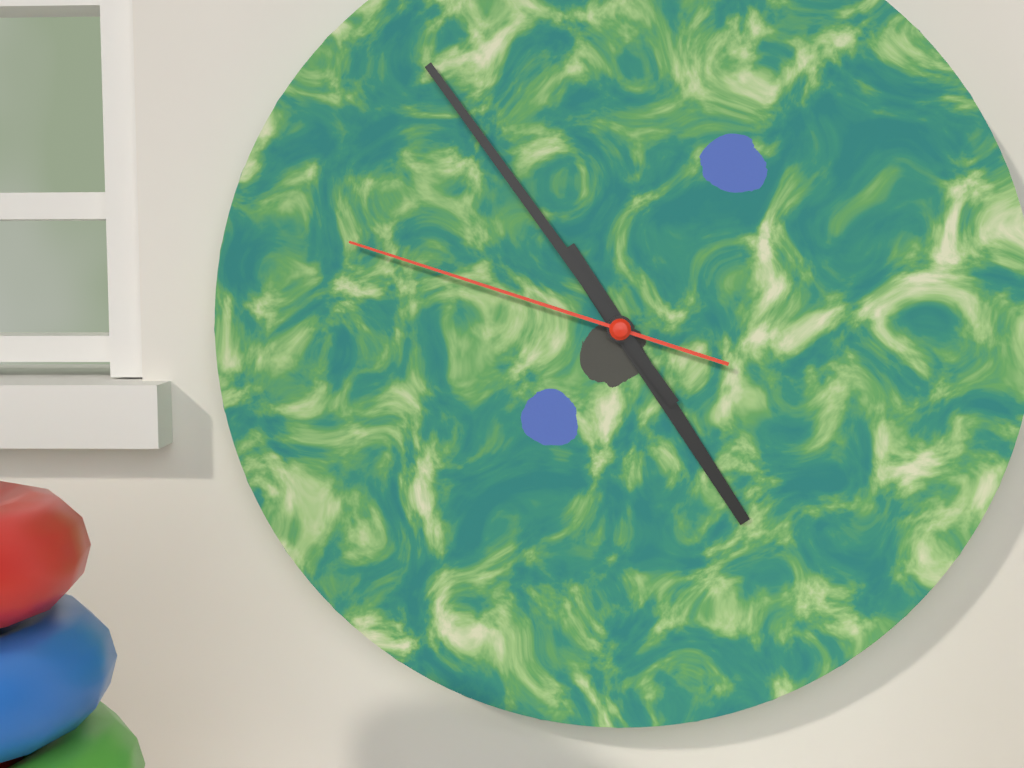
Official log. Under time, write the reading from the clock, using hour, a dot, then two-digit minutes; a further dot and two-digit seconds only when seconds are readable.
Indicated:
4.54.48
